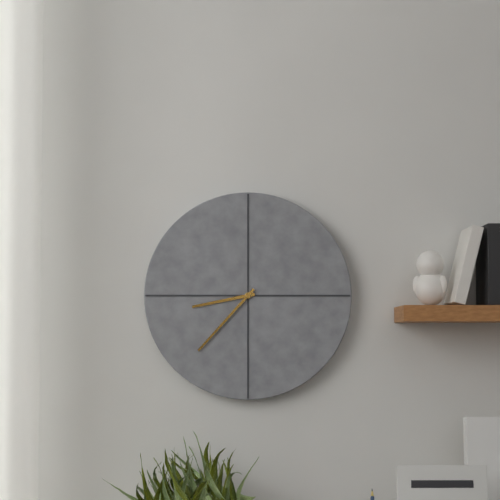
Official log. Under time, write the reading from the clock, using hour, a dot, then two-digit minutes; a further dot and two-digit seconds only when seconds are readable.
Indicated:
8.37
